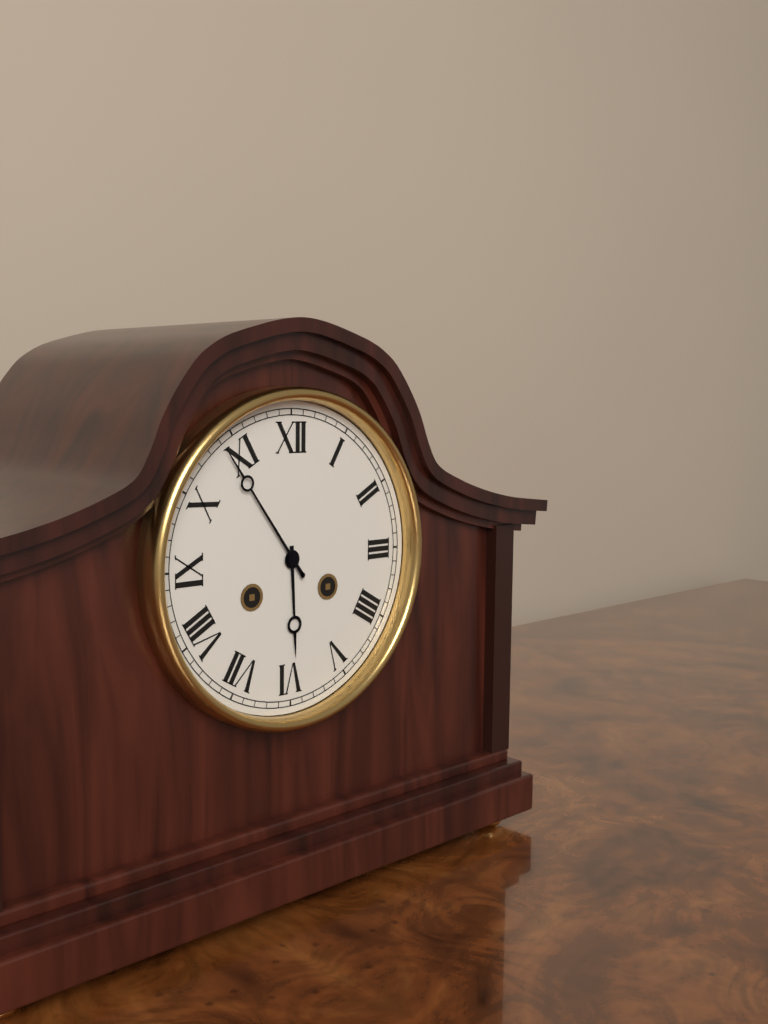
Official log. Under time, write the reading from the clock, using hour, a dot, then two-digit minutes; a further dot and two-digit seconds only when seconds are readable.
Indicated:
5.54
